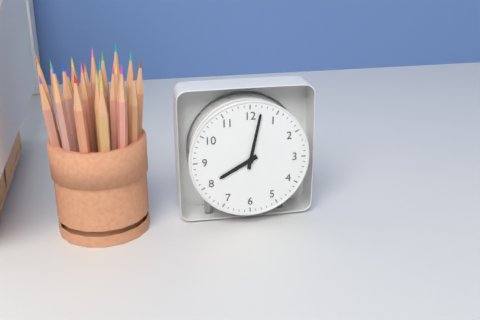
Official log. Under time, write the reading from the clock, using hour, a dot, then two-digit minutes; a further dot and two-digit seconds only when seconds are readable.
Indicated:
8.02
